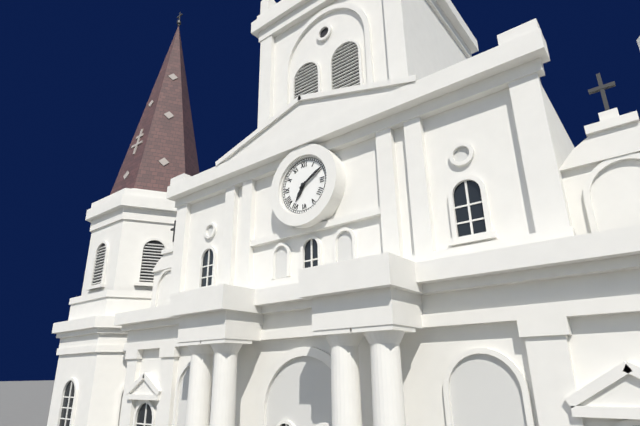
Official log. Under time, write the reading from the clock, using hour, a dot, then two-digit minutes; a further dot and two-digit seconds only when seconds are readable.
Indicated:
7.10
